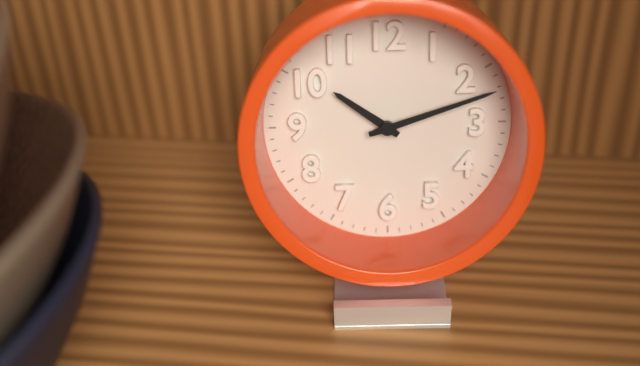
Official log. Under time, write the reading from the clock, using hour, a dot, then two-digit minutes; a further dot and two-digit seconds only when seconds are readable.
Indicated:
10.12
